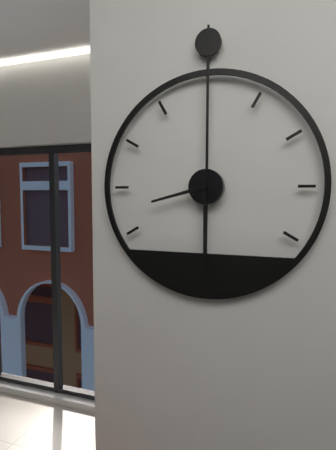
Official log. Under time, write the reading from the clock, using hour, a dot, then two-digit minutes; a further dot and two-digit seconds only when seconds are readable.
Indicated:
8.30
